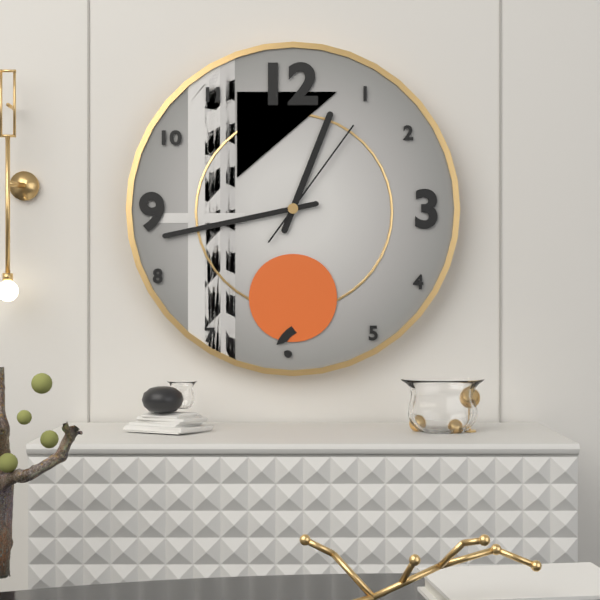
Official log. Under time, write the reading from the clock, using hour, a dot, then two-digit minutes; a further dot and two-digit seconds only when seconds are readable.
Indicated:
12.43.06
